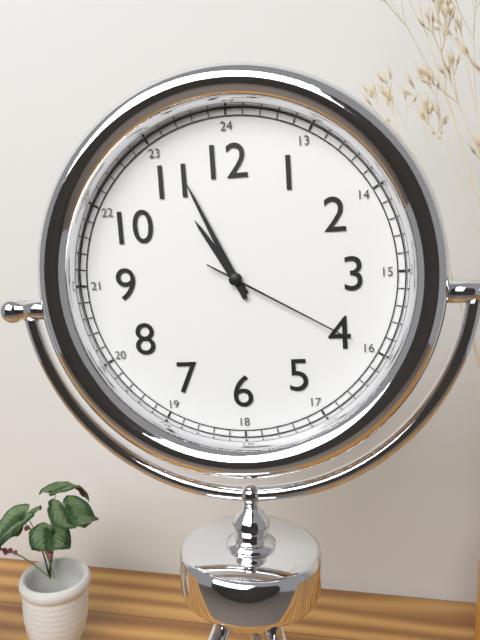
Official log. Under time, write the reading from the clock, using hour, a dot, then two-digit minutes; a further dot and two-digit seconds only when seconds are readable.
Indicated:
10.56.20
